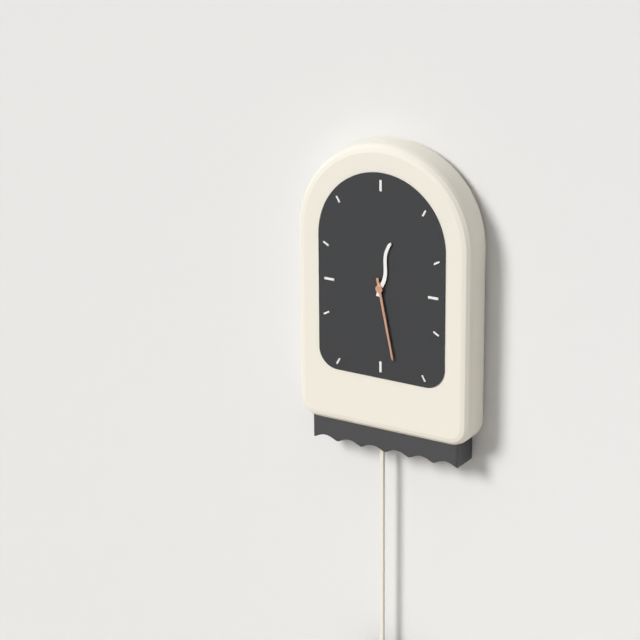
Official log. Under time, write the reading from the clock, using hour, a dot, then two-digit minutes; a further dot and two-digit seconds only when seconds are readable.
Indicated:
12.28
